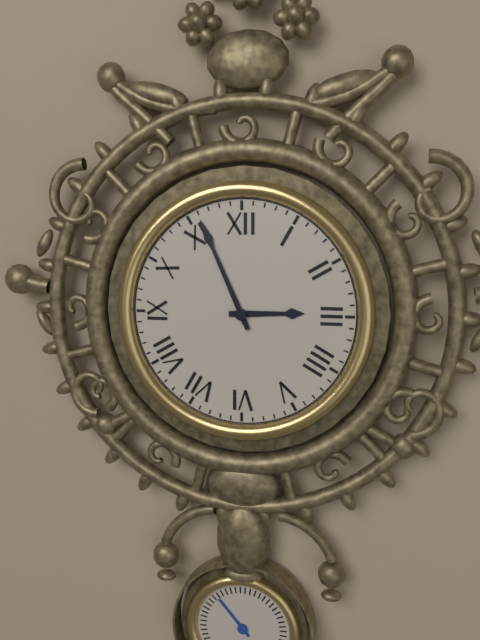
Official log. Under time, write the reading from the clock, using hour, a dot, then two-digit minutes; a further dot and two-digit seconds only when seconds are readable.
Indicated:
2.56
